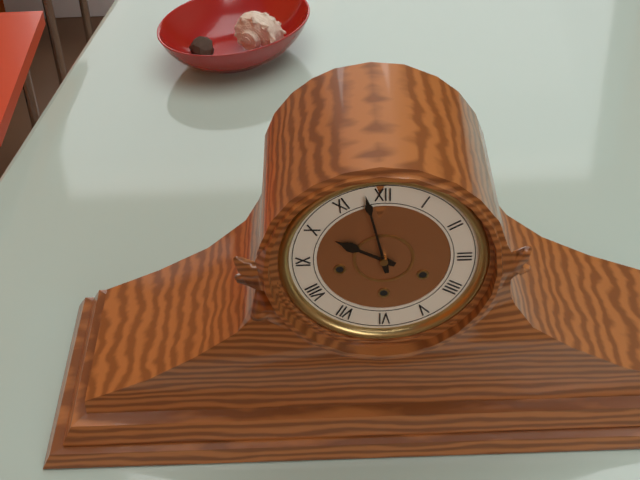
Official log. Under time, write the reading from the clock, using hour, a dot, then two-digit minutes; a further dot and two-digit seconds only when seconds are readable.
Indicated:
9.58
